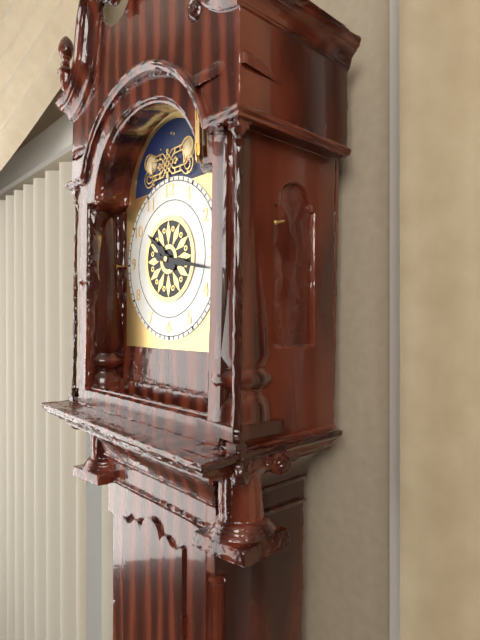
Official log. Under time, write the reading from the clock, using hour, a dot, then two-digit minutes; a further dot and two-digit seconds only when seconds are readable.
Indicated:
10.17
